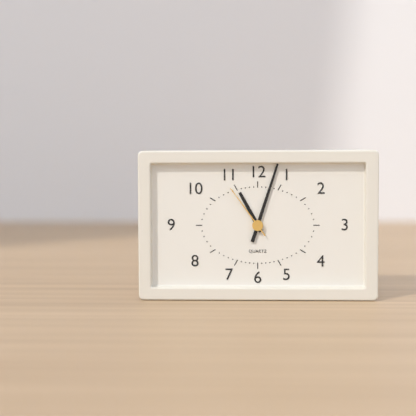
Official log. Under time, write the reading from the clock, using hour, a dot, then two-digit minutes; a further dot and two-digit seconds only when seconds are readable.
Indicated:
11.03.54
